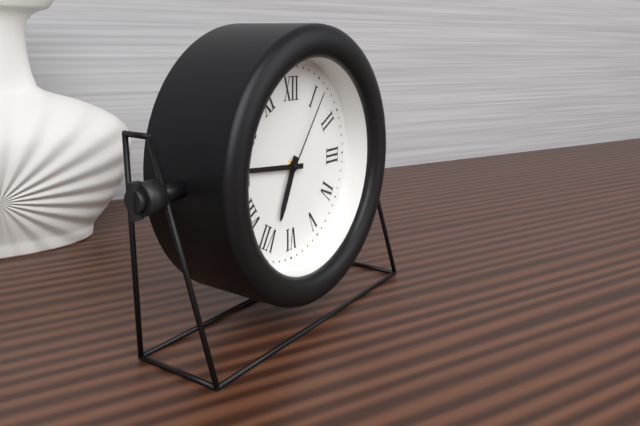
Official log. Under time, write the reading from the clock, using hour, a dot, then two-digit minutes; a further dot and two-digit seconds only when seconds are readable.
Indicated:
6.46.06
